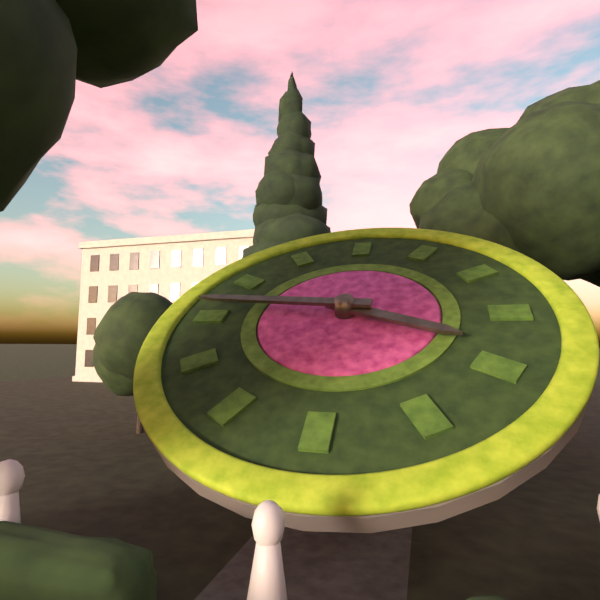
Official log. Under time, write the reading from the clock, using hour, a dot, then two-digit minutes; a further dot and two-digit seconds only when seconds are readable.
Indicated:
3.46
